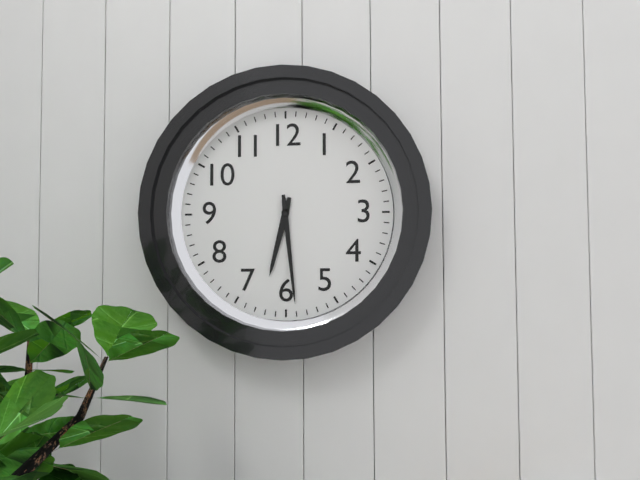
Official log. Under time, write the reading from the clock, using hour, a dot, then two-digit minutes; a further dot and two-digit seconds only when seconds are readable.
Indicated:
6.29
